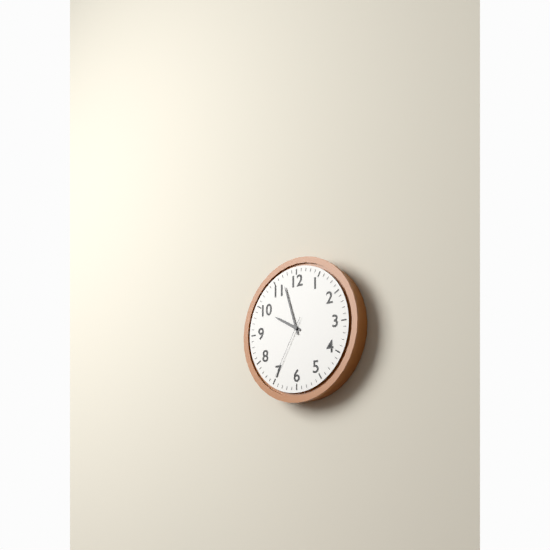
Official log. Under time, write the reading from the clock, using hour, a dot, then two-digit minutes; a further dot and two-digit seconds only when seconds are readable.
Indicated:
9.57.35
